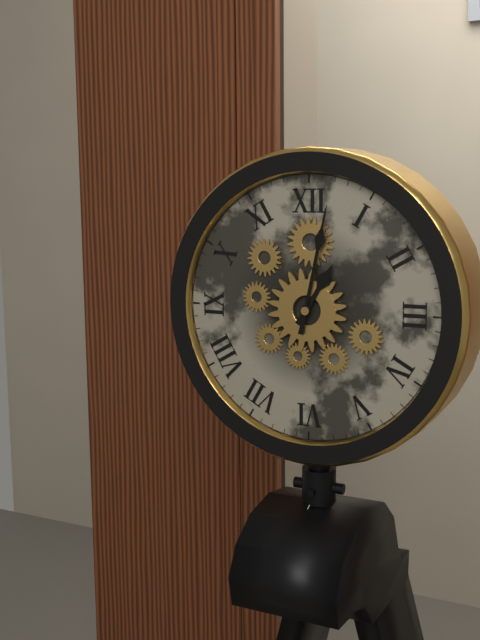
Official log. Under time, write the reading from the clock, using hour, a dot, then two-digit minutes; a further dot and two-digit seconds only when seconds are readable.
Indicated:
1.02
